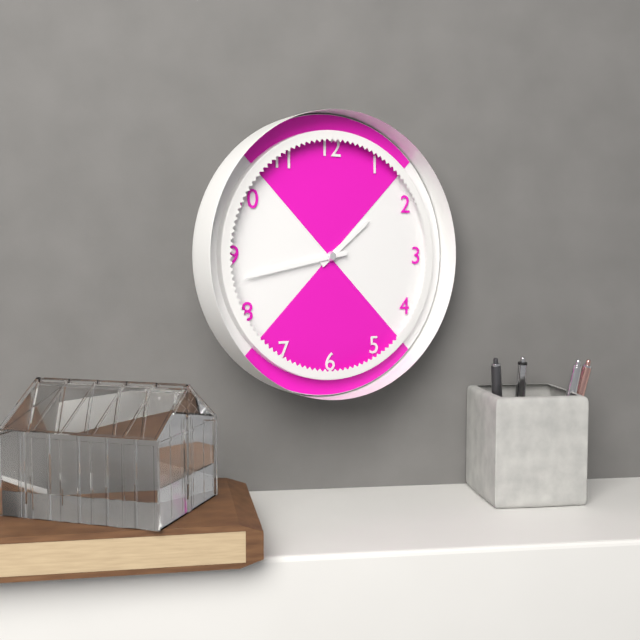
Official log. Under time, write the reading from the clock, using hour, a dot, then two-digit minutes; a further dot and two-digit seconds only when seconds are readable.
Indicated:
1.43
